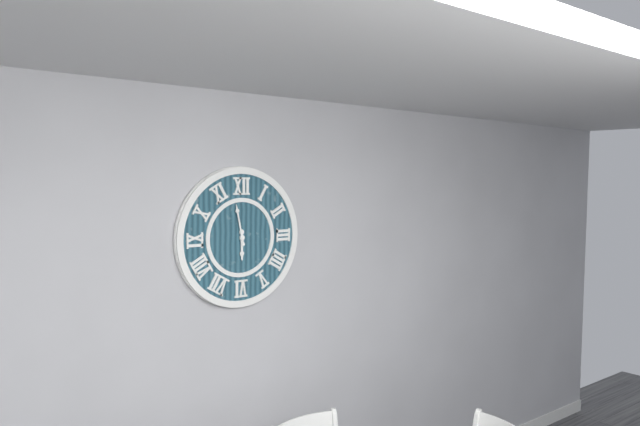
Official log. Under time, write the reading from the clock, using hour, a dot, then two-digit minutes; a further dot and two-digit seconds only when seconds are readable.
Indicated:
5.58
